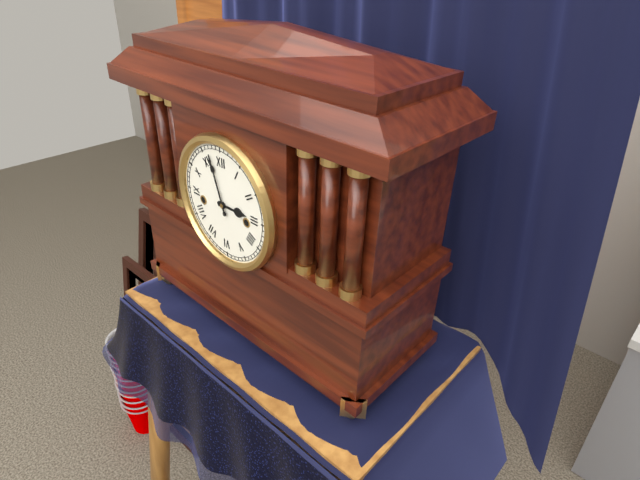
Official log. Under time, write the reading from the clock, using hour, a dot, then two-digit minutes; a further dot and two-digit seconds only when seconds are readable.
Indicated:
2.57
